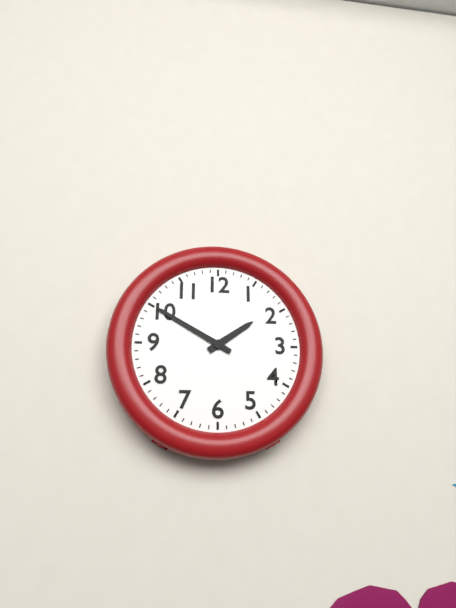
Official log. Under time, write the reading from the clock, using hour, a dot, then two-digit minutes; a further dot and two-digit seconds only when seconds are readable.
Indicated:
1.50
